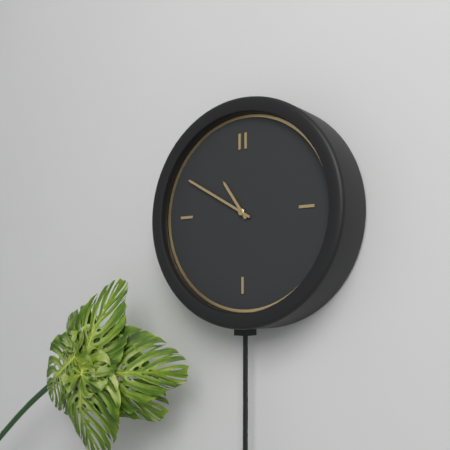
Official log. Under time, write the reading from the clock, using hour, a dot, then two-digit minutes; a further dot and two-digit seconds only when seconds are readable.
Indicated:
10.50
